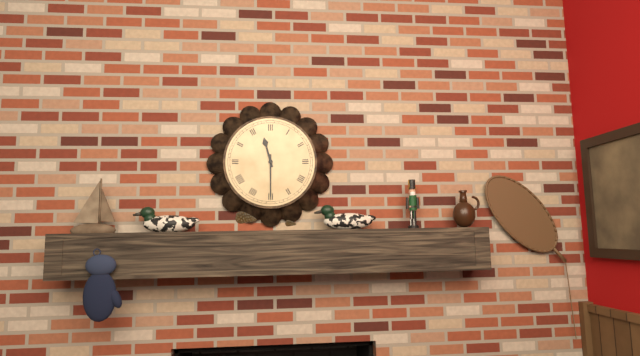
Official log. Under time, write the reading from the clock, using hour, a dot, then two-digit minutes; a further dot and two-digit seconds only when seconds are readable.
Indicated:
11.30
